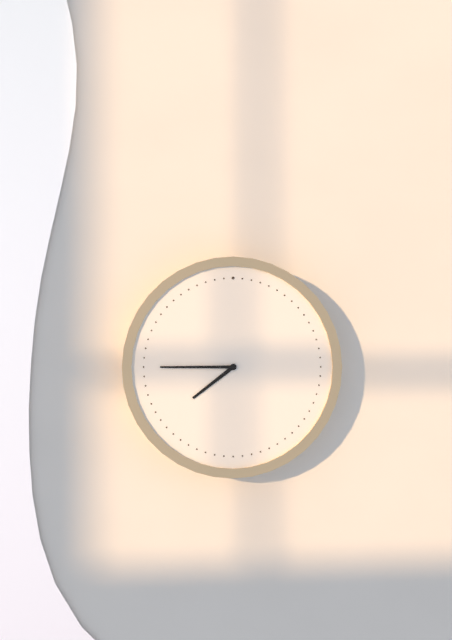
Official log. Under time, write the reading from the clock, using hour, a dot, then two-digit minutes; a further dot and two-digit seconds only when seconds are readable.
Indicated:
7.45
